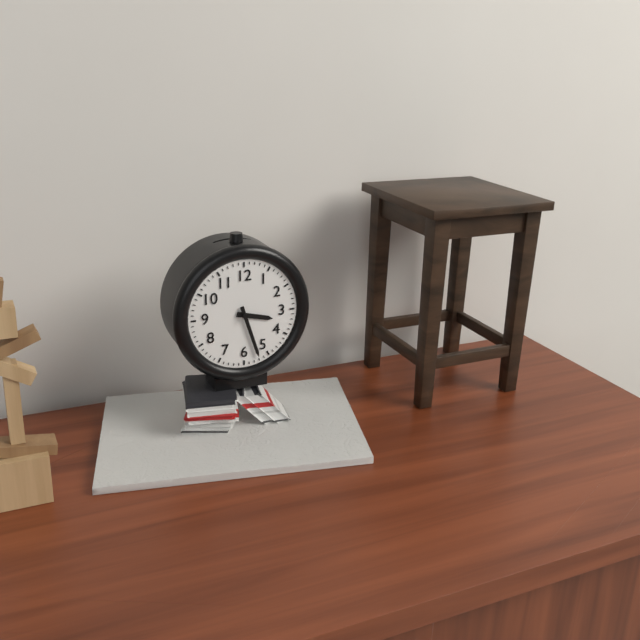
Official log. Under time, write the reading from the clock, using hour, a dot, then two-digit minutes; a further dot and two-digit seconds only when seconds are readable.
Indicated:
3.27
